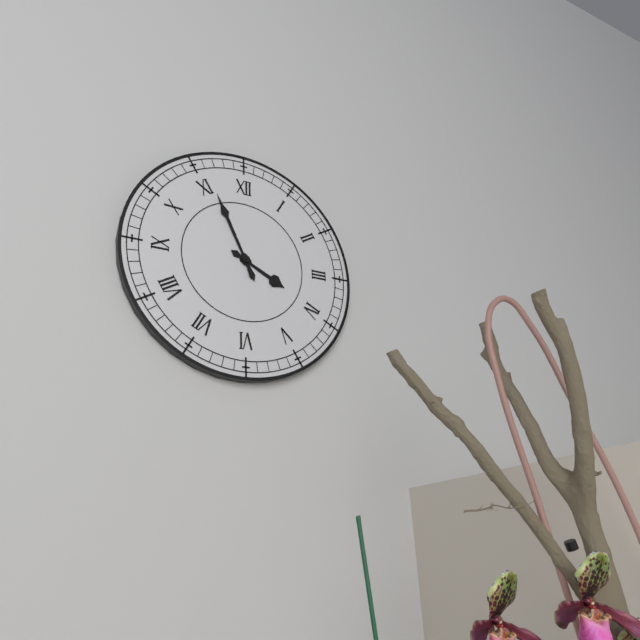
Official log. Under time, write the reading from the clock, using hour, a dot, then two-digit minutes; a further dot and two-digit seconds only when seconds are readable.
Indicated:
3.56
